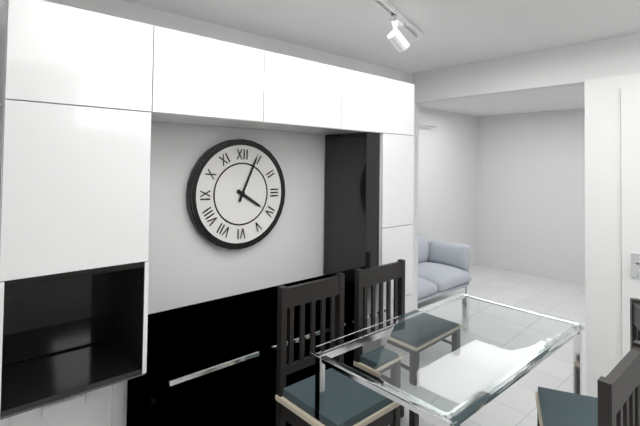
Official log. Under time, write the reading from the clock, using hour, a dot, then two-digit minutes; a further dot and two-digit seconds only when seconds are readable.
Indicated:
4.04
